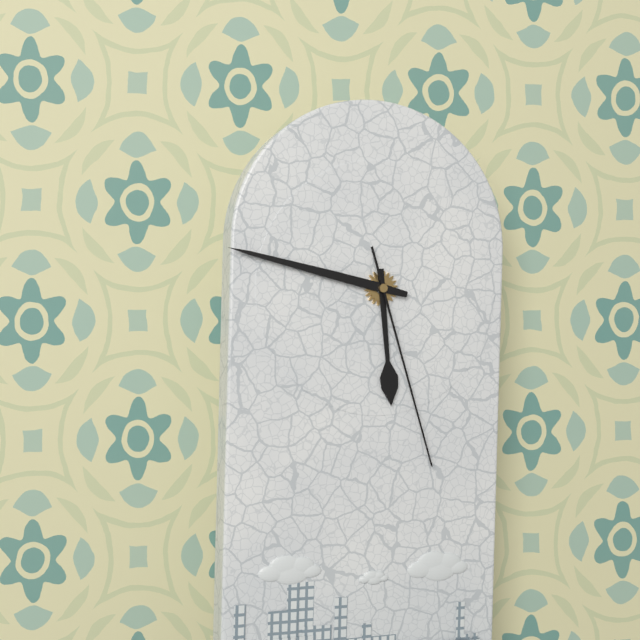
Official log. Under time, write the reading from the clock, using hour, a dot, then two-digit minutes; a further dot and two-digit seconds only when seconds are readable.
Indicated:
5.47.27
